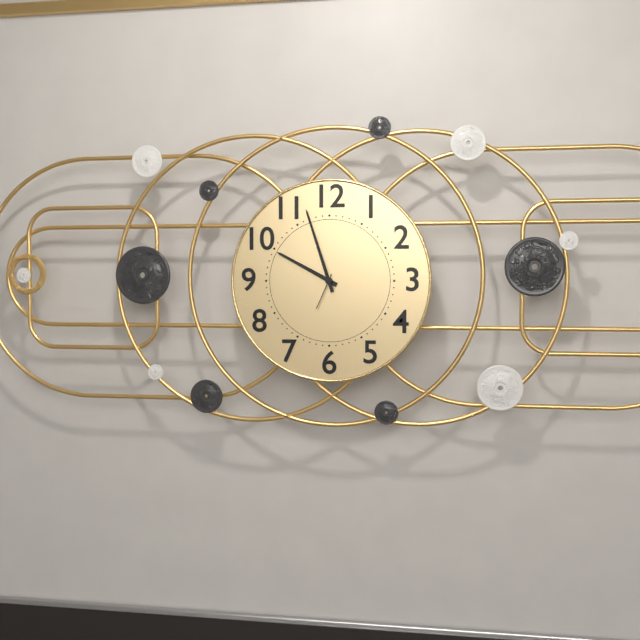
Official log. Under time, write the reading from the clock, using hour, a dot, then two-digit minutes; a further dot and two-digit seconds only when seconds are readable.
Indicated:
9.57
